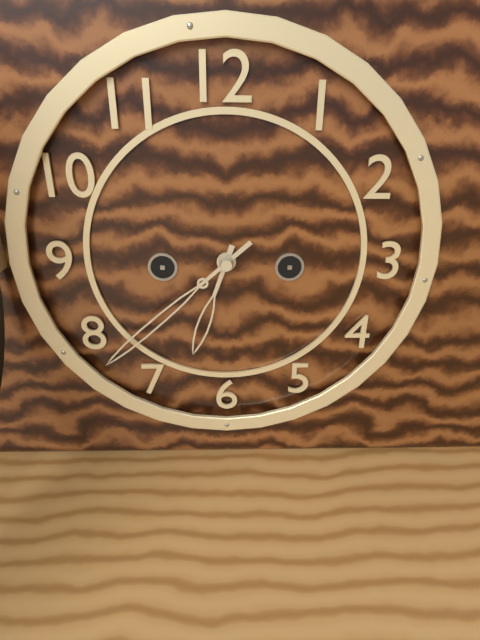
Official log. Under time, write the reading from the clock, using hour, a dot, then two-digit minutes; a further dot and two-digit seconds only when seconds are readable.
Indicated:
6.38
